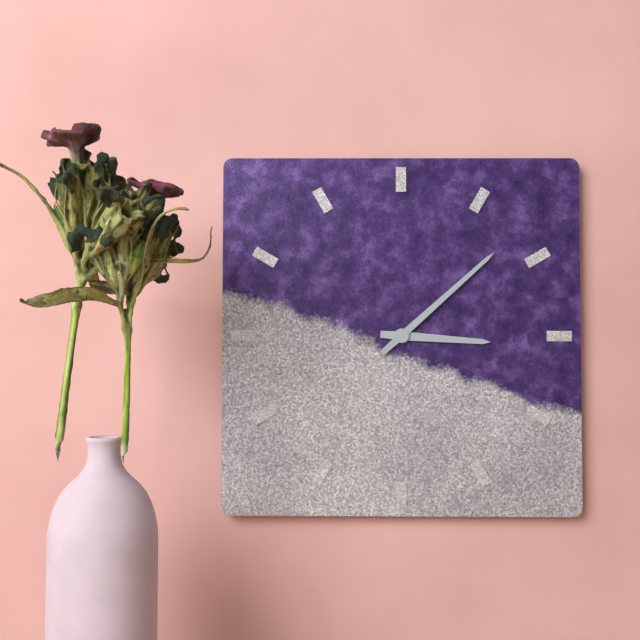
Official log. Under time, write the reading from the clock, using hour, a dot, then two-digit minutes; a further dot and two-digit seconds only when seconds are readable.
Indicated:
3.08
